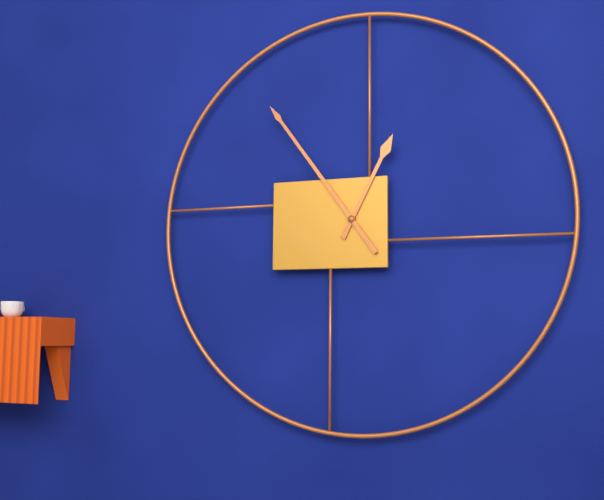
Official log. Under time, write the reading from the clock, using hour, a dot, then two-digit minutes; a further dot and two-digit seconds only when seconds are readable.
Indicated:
12.54
